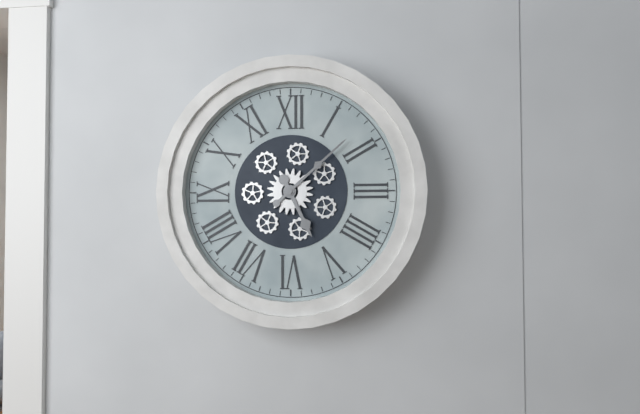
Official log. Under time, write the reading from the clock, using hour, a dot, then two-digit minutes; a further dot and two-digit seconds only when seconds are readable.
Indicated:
5.08
